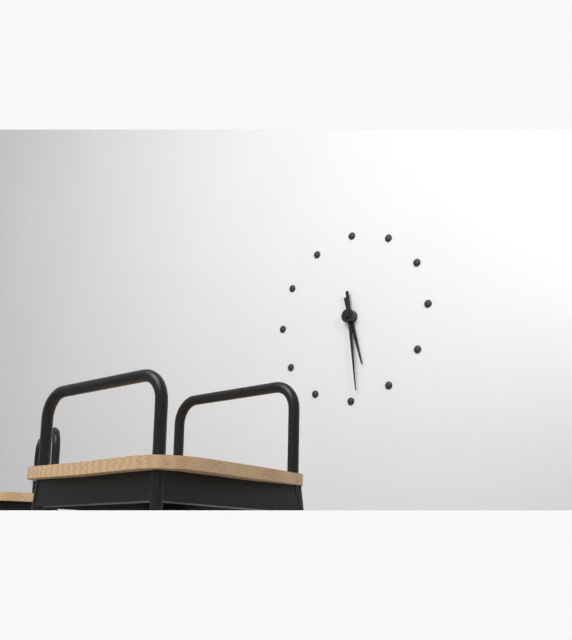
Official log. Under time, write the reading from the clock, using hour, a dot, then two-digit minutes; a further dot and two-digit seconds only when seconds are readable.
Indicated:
5.29
